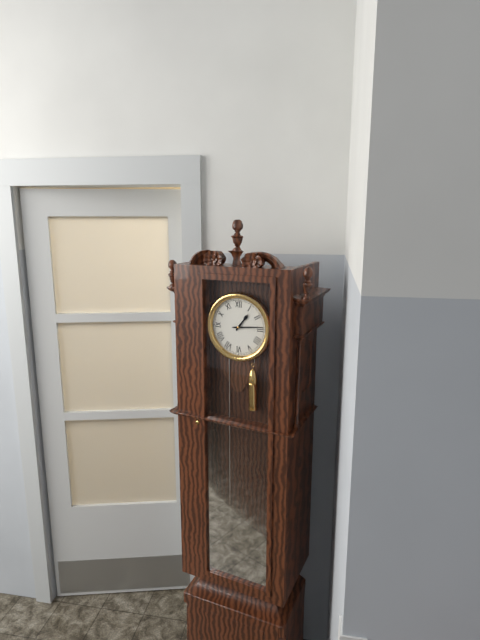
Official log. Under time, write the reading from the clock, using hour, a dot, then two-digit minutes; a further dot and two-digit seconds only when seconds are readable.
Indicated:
1.14
